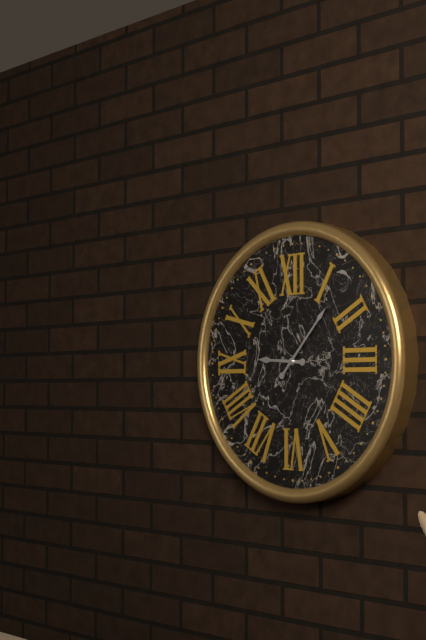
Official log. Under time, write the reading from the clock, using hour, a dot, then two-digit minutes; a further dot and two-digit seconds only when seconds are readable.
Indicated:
9.07
